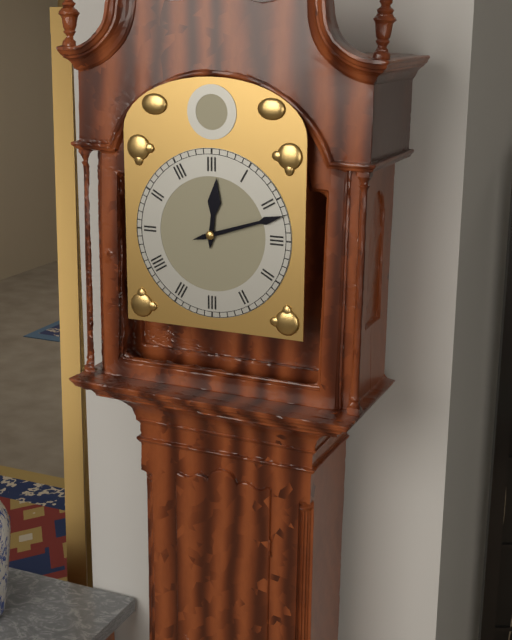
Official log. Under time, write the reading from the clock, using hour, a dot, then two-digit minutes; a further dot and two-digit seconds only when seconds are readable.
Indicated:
12.12
